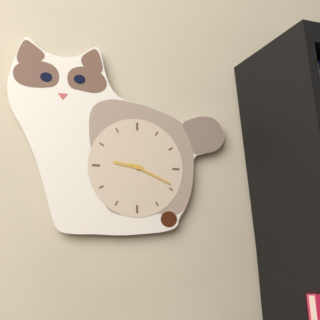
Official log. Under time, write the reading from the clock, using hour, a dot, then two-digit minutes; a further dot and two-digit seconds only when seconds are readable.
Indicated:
9.19
